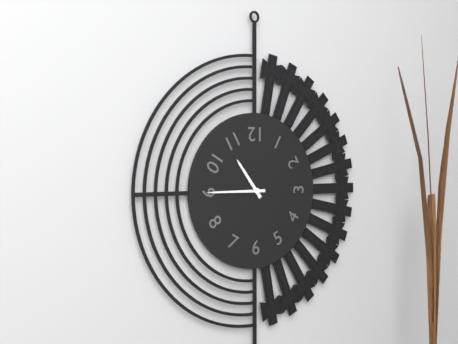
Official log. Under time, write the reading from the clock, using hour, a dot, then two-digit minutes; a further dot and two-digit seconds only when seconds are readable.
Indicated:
10.45
